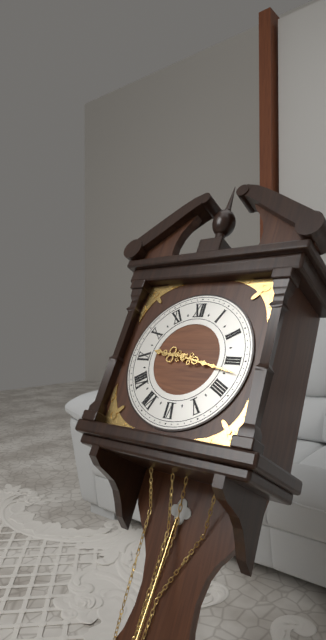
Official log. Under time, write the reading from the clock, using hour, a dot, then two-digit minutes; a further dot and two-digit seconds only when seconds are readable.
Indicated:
9.17
